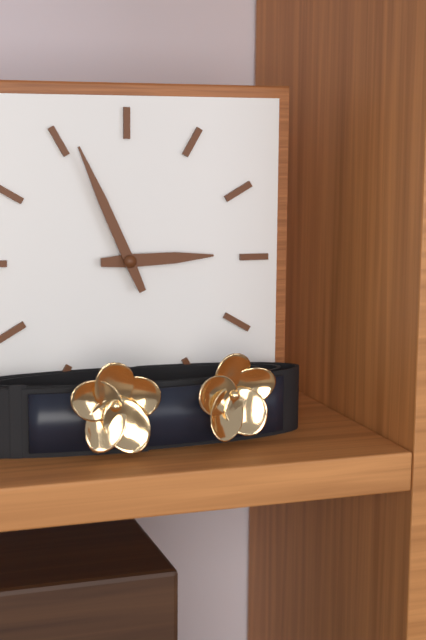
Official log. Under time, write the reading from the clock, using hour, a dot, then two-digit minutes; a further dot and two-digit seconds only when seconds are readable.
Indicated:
2.56
